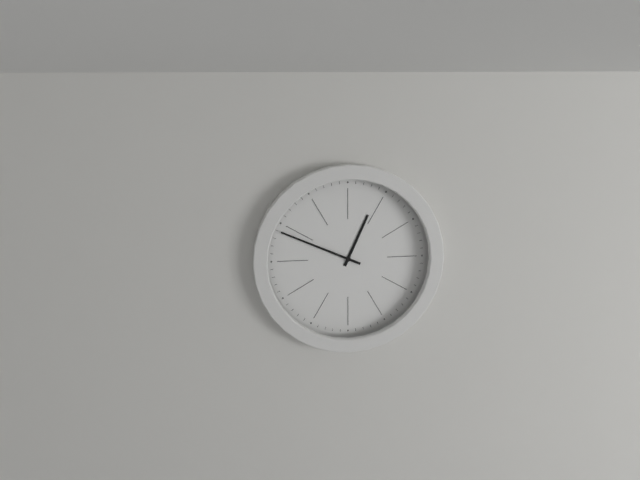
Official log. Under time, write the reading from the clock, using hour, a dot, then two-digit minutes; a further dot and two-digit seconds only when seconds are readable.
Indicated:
12.49
